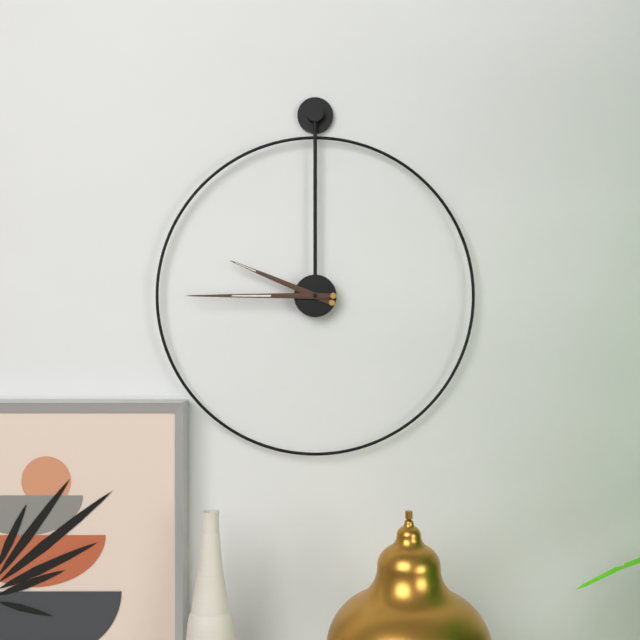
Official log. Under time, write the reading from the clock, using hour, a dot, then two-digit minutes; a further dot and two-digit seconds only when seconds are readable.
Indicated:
9.45
